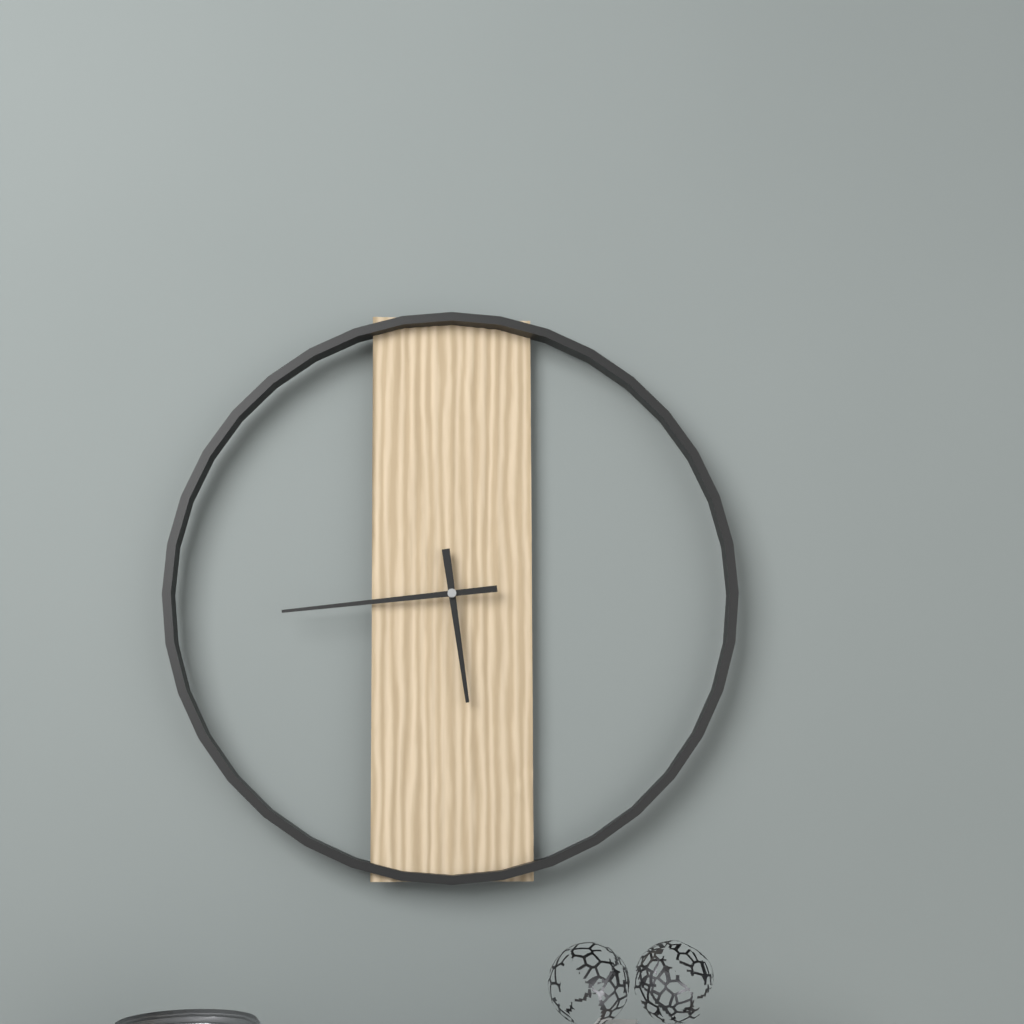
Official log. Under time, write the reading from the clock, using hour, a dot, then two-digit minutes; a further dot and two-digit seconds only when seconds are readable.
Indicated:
5.44
